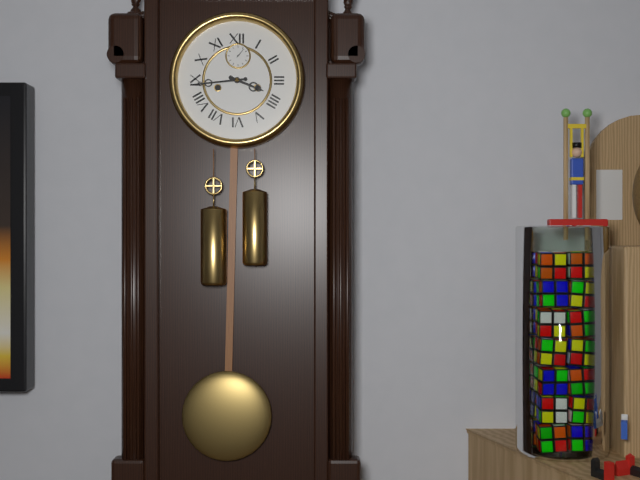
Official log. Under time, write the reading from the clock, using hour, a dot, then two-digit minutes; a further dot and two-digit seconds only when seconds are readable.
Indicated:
3.44
